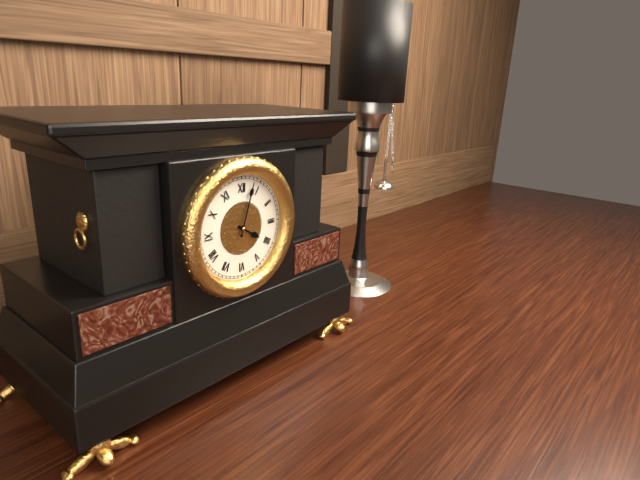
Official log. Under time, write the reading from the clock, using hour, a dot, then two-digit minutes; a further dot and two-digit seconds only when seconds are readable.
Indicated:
4.03
